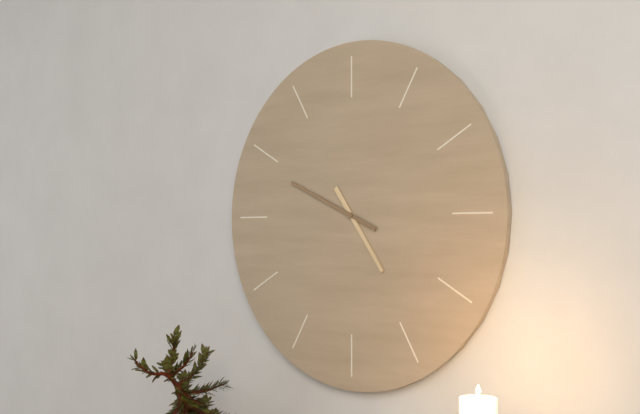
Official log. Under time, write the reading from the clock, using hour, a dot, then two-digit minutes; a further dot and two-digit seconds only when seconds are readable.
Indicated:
4.49
